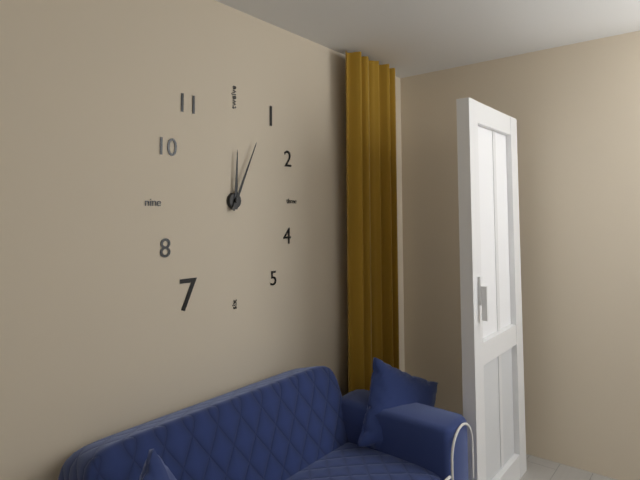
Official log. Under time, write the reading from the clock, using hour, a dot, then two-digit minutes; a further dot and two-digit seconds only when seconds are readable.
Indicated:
12.04
